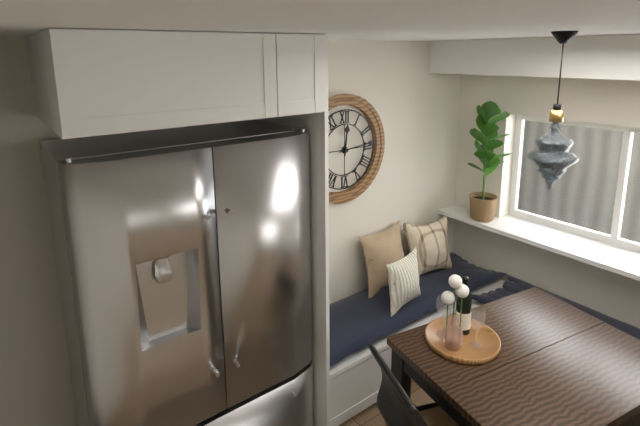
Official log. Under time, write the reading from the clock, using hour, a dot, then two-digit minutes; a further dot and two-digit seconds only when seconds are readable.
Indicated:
12.14
